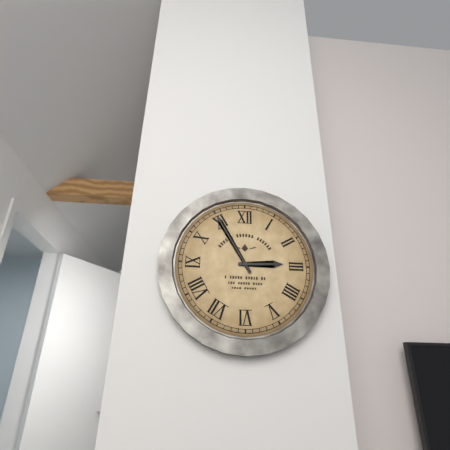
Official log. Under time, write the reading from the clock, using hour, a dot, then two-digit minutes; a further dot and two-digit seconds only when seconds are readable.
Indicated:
2.55
